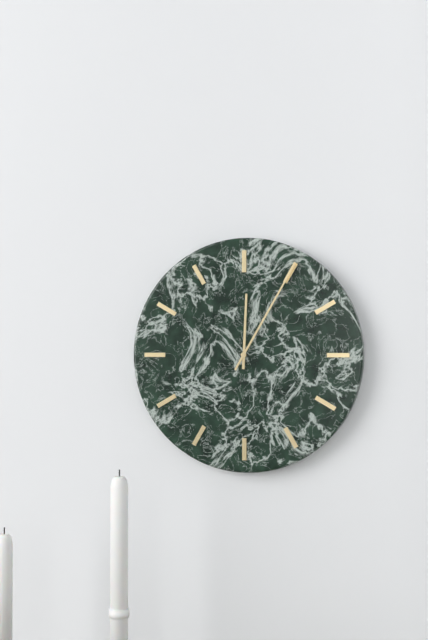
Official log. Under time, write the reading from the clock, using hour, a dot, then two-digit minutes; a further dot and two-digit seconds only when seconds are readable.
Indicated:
12.05
